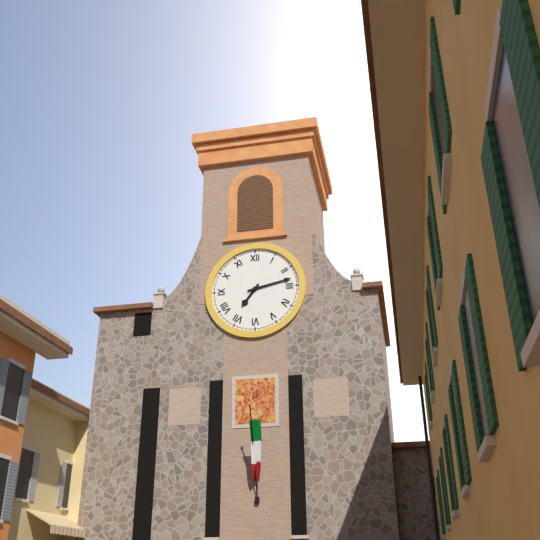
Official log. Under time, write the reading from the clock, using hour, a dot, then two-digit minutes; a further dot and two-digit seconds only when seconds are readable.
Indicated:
7.13
